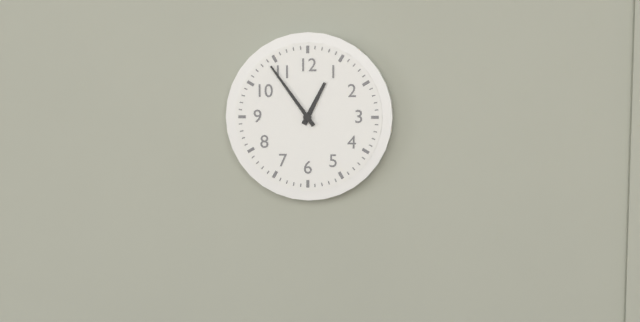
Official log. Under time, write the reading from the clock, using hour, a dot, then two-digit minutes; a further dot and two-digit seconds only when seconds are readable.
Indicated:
12.54
